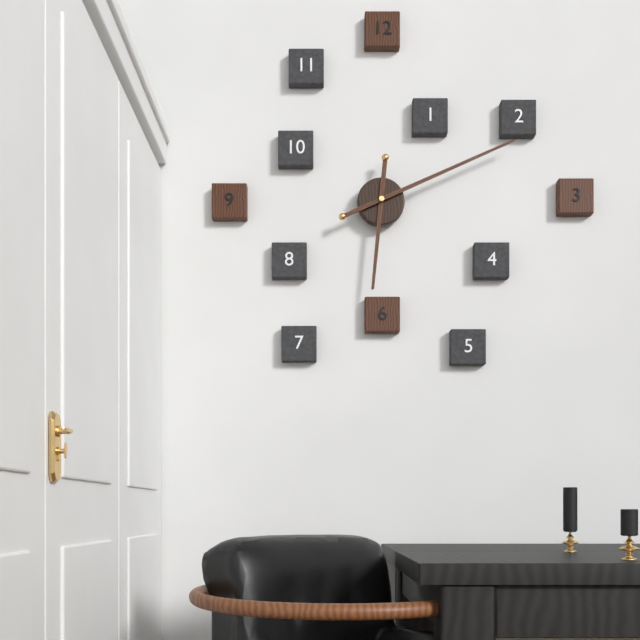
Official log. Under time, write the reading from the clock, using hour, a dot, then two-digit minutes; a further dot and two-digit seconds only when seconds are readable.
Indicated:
6.11
